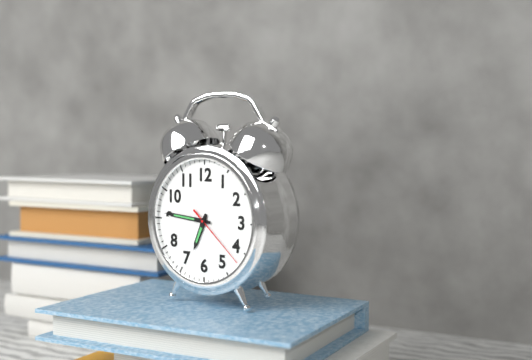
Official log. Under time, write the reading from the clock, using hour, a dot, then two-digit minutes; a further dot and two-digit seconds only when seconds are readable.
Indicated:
6.46.22
